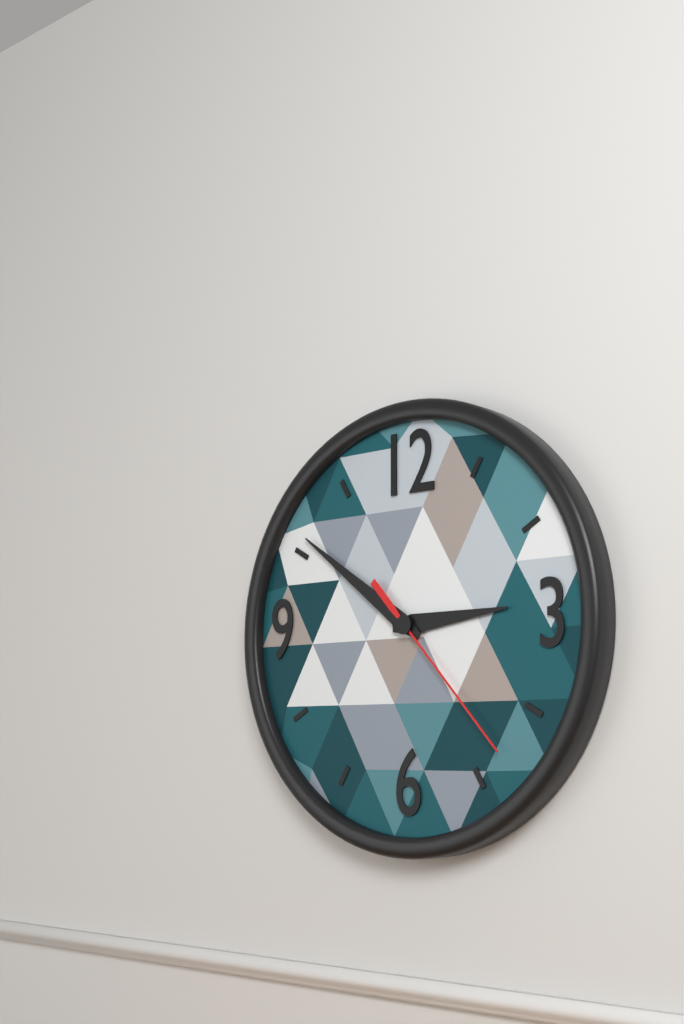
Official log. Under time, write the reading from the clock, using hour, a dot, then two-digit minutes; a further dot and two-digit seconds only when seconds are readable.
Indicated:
2.51.23
